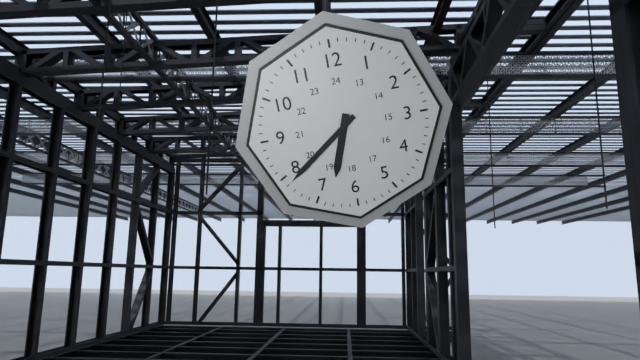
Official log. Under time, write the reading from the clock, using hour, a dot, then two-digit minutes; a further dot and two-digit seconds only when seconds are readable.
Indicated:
6.39
